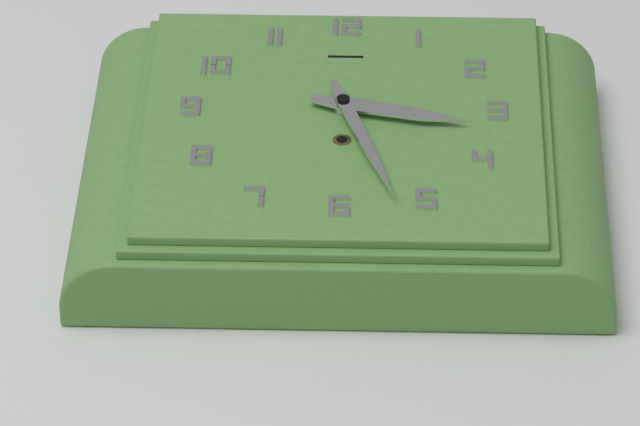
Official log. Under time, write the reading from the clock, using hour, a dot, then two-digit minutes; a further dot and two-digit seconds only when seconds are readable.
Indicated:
3.27
